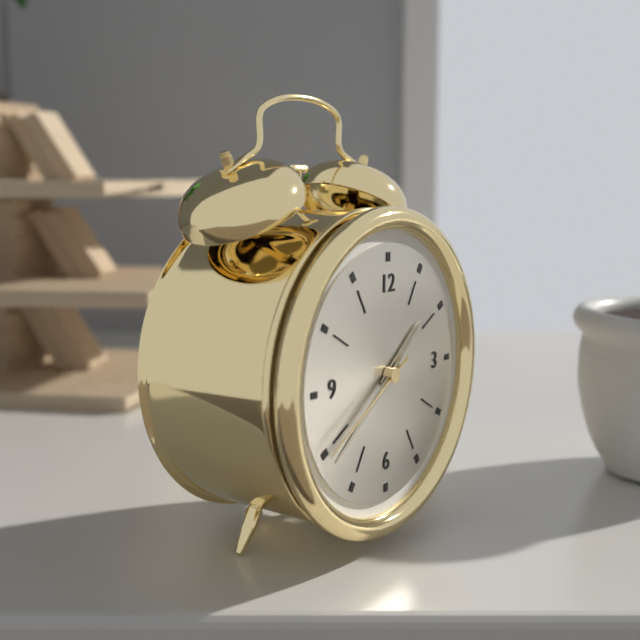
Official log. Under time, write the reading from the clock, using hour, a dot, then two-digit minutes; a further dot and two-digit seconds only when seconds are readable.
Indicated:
1.39.40
